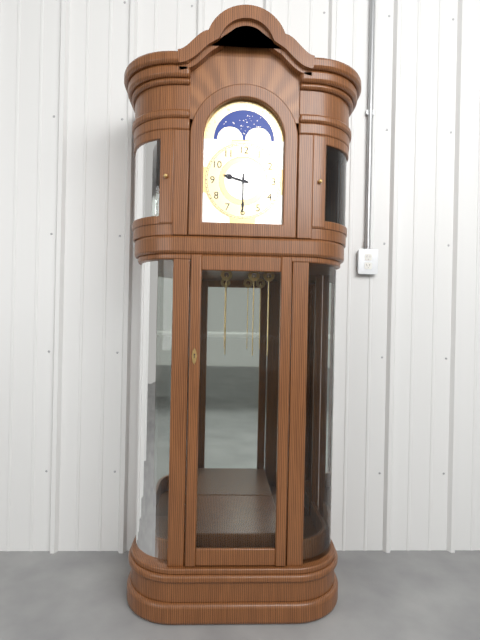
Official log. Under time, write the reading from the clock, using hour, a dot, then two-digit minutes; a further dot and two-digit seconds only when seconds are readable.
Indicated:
9.30
